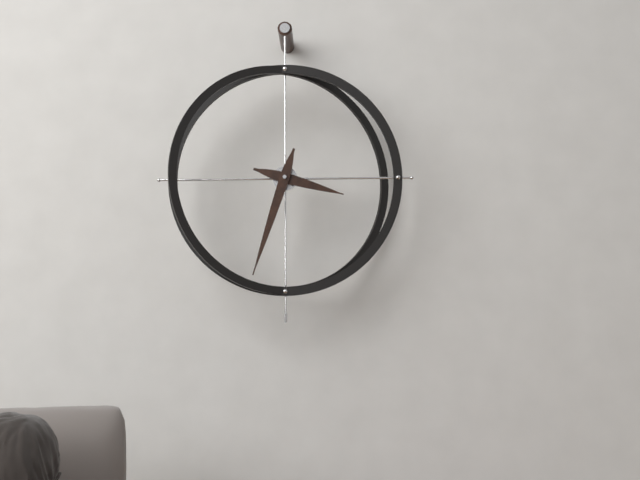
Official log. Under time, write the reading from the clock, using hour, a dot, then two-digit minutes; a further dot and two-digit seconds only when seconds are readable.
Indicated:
3.33
